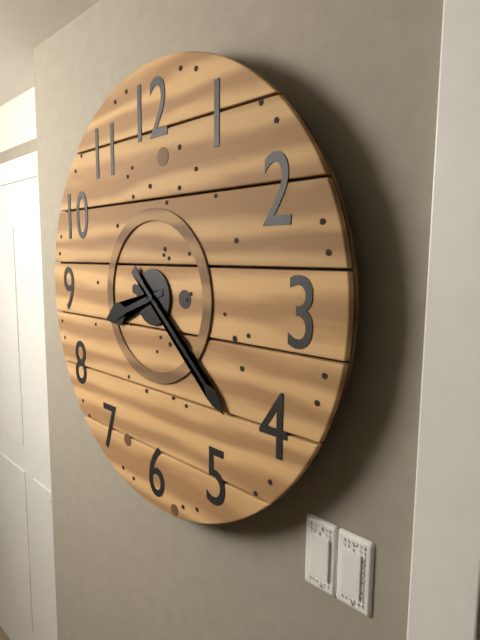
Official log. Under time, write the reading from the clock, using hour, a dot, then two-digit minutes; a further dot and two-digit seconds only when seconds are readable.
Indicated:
8.22
